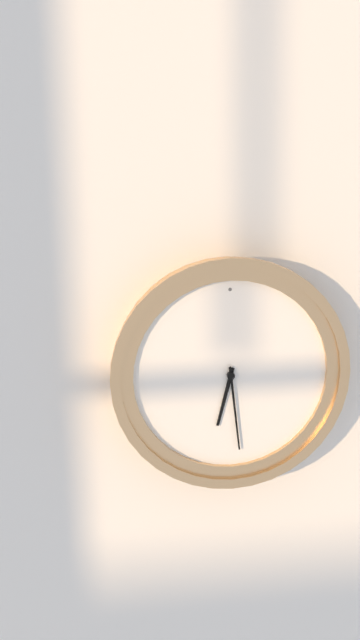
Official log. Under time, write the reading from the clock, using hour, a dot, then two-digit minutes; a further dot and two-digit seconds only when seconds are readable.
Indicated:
6.29
